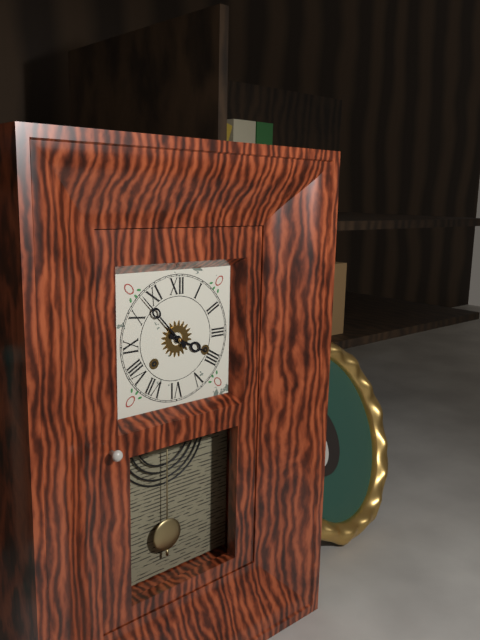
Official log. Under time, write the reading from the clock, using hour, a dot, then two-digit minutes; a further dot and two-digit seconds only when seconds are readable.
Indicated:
3.53
